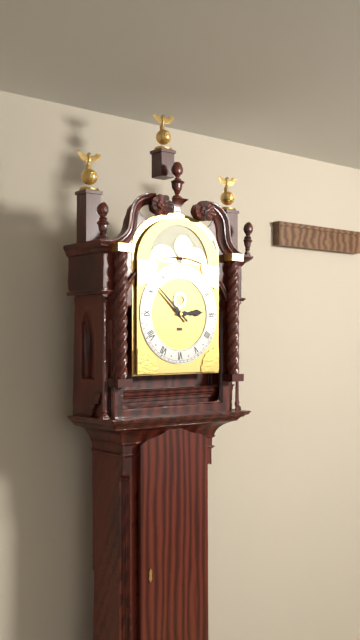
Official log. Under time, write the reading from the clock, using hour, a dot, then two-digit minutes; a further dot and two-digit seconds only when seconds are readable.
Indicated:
2.52
